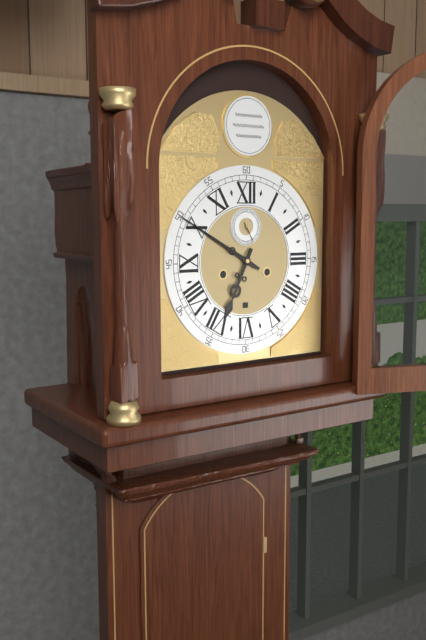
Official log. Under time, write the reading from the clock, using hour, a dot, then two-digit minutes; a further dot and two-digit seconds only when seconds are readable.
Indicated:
6.50
